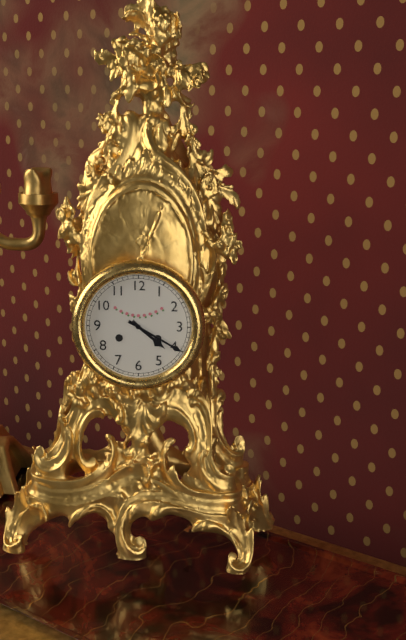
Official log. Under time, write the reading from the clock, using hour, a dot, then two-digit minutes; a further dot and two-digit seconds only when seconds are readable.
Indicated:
4.20
